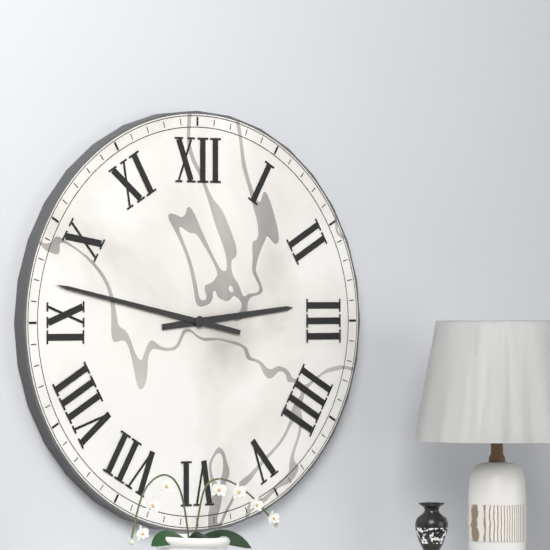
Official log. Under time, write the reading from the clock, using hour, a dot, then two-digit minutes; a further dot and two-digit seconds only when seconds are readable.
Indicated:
2.47
